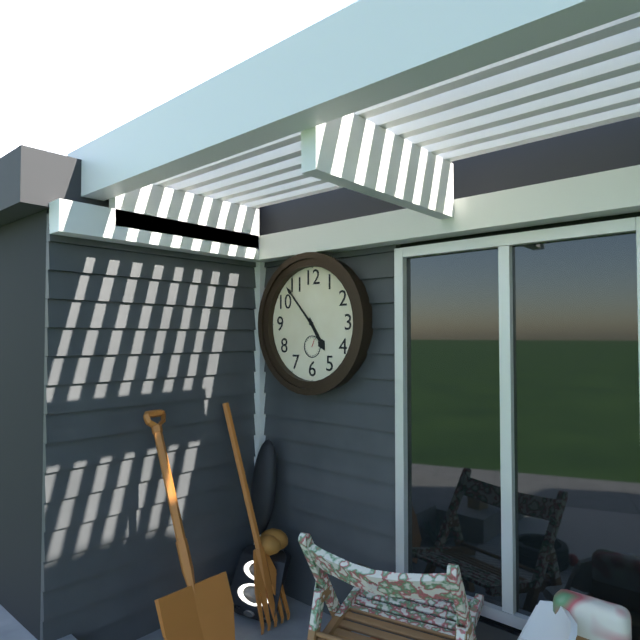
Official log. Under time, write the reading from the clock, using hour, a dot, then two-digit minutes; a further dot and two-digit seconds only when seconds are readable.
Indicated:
4.53
